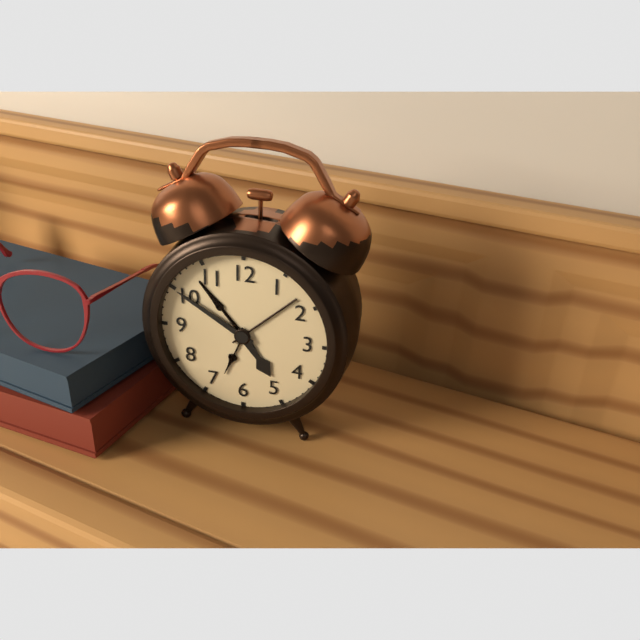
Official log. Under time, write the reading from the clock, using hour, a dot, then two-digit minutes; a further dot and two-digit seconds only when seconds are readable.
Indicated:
4.50
